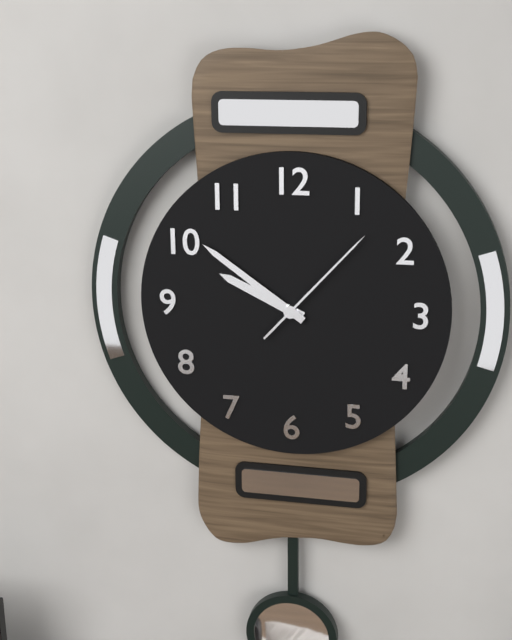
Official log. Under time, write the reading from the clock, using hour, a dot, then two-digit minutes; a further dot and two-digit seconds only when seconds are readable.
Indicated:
9.51.07
